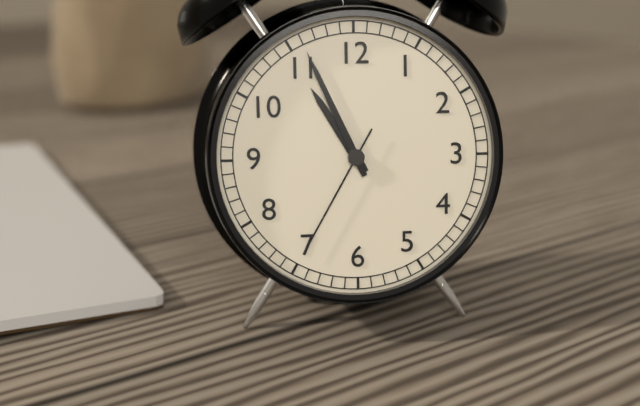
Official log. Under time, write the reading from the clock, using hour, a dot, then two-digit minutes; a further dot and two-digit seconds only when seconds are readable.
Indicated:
10.56.35
